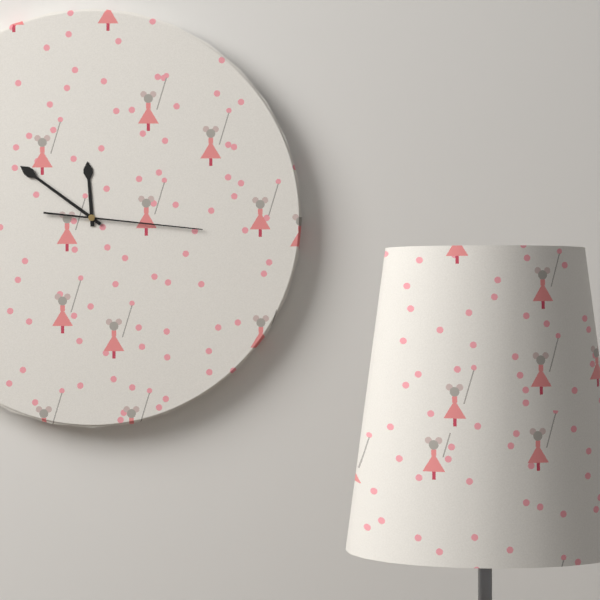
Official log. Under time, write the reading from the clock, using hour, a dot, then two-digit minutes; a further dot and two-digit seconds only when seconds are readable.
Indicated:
11.51.16
